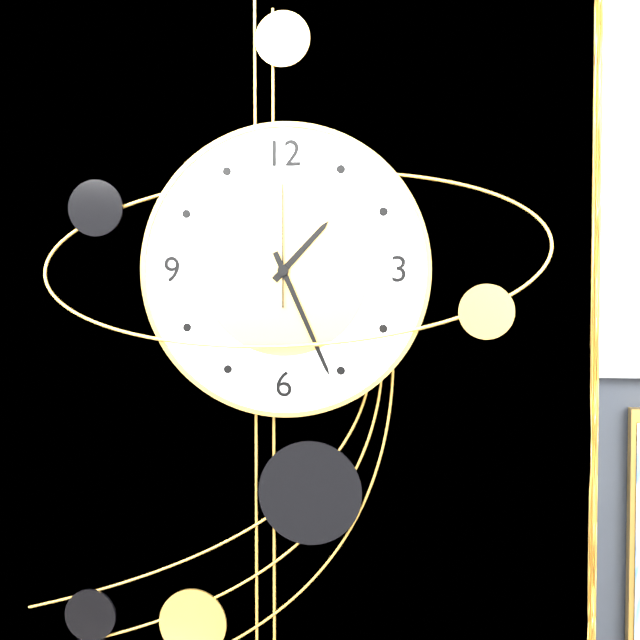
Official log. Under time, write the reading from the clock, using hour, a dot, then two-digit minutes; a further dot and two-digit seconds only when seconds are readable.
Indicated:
1.26.00
